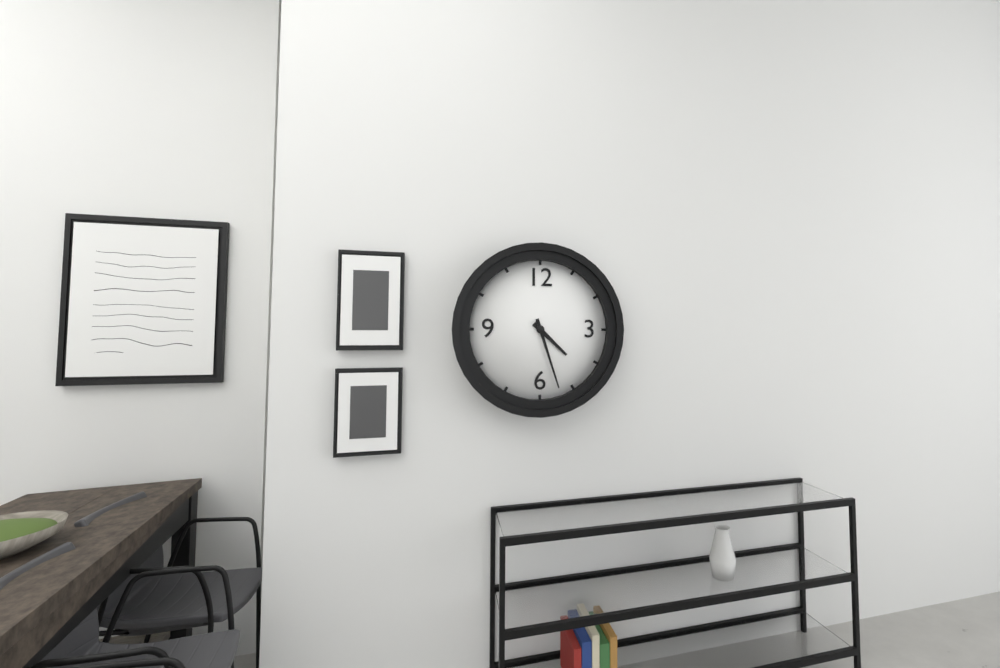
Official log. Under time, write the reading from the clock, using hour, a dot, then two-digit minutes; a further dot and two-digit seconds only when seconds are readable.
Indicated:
4.27
